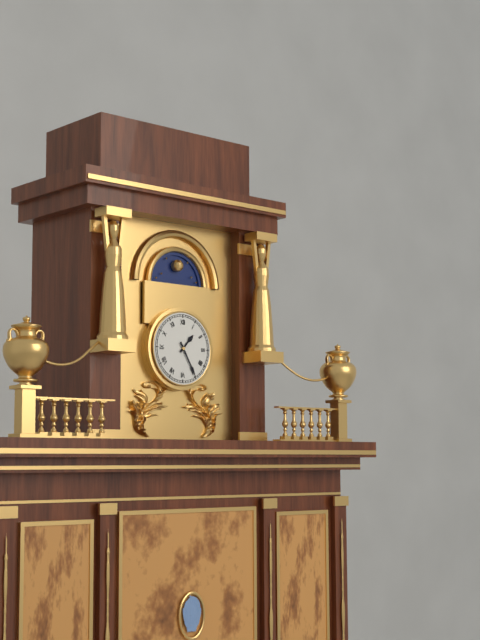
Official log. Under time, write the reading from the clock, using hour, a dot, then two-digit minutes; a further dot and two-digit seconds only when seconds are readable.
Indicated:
1.25
